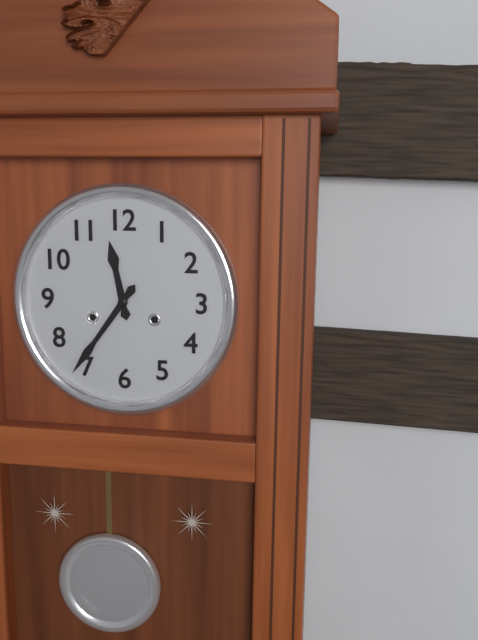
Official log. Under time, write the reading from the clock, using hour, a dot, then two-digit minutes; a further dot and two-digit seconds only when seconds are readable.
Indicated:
11.36
